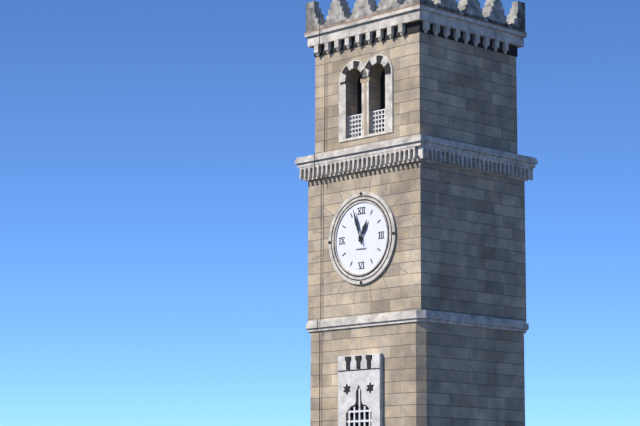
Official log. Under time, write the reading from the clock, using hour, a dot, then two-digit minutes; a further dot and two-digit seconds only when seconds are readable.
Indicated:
12.57
